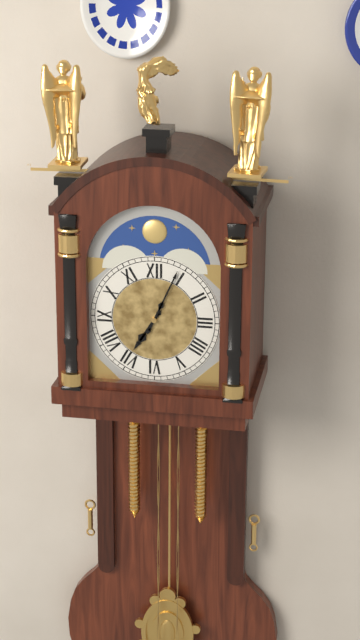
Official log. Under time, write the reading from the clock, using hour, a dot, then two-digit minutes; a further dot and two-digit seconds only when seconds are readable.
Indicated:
7.04
